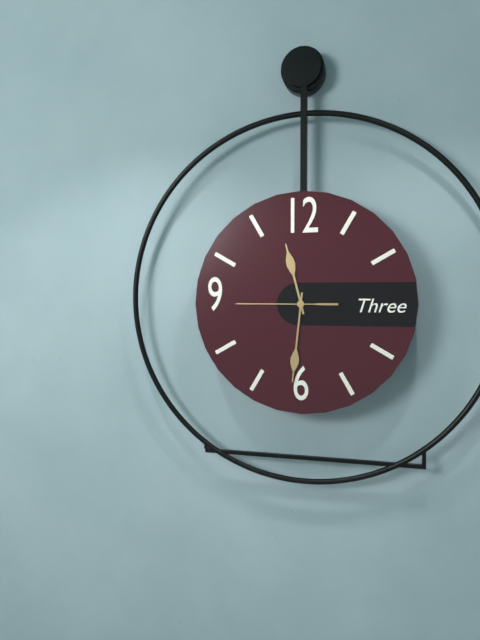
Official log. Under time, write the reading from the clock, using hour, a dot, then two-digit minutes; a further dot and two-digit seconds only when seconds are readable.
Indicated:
11.31.45
